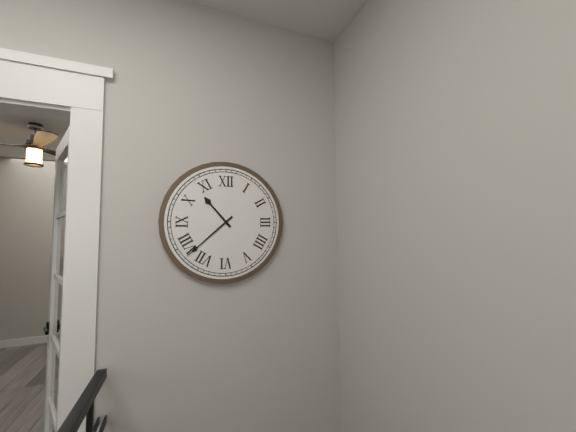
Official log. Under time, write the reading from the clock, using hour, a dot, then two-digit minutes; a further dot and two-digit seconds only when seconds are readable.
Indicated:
10.38
